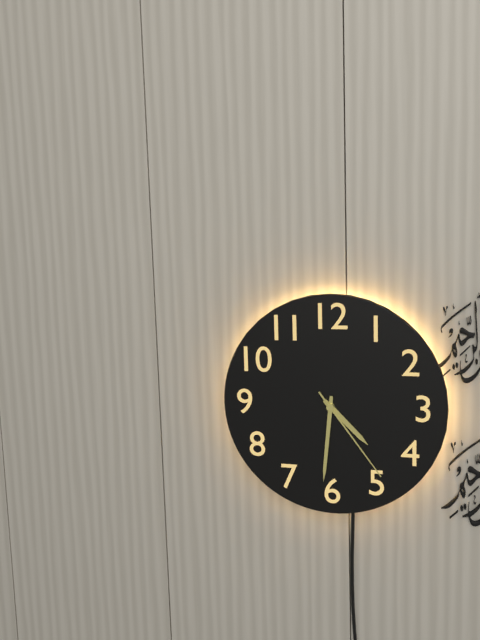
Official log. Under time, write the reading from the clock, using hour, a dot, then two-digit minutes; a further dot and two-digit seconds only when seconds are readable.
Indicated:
4.31.24
